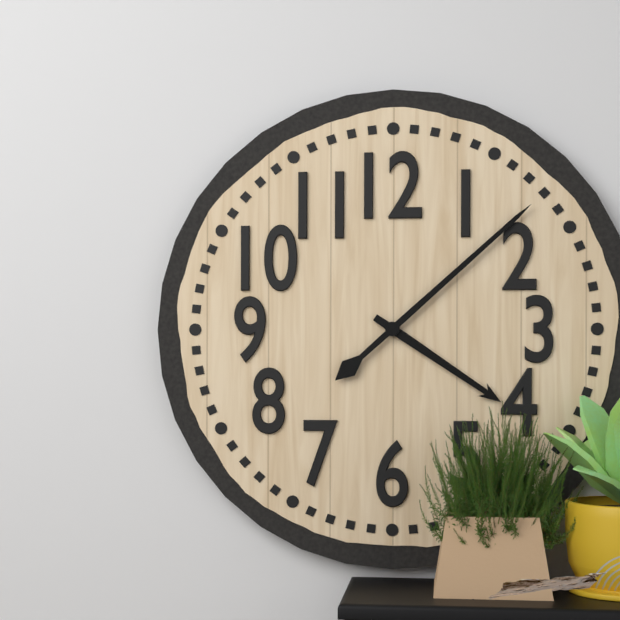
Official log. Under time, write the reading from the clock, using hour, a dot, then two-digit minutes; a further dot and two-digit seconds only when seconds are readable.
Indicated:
4.08
